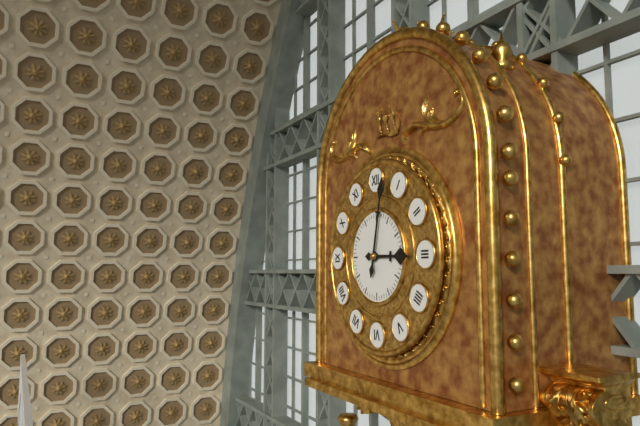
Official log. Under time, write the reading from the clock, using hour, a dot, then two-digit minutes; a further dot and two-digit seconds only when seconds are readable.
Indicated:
3.02
